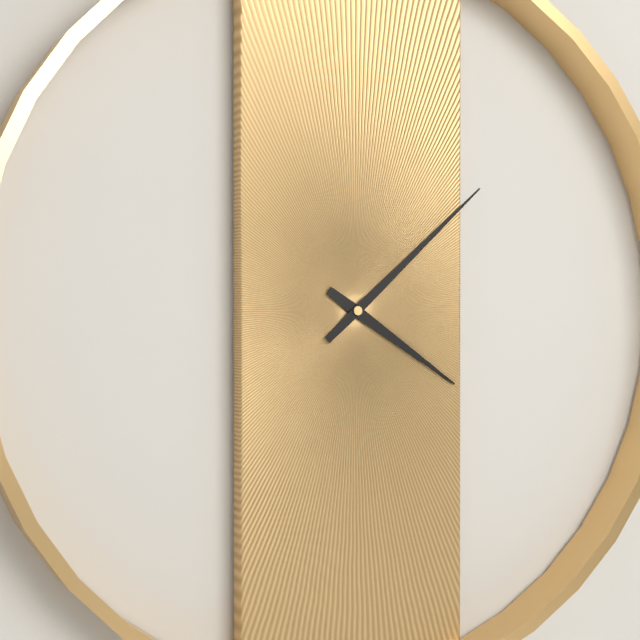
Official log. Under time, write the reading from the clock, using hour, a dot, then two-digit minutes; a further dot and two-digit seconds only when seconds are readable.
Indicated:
4.08
